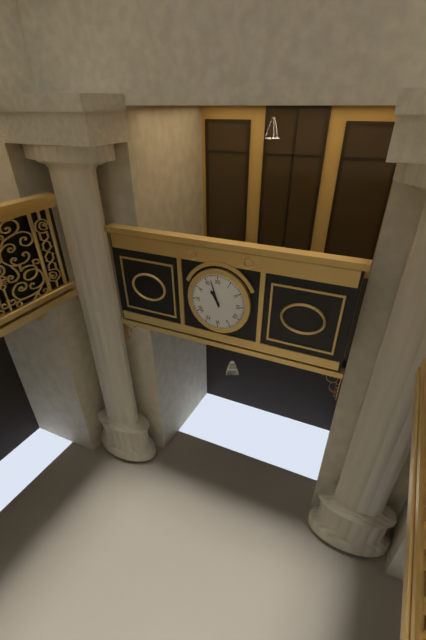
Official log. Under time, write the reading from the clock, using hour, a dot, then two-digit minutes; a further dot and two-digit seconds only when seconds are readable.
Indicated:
10.57
